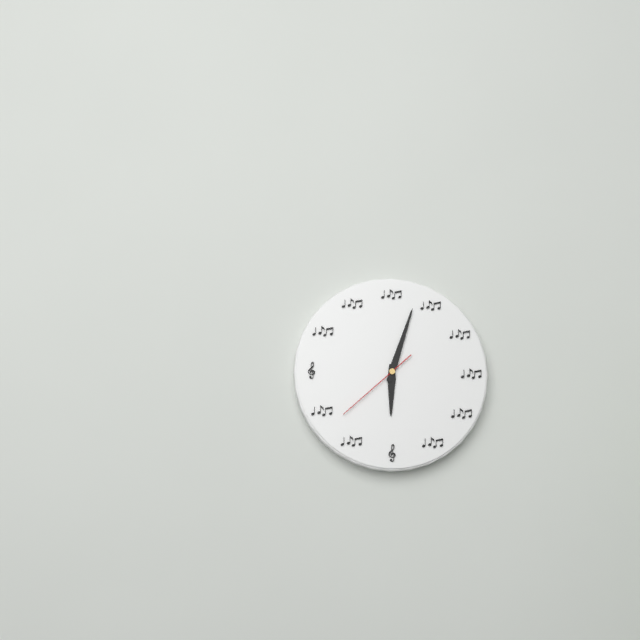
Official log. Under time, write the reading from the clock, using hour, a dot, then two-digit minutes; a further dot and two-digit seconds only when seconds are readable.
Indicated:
6.03.38
